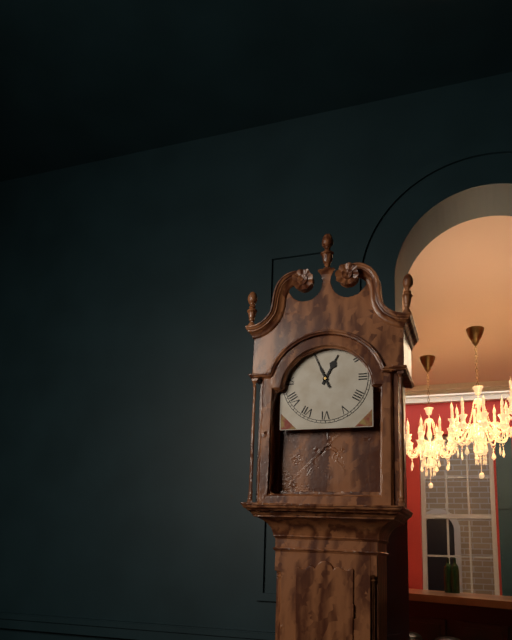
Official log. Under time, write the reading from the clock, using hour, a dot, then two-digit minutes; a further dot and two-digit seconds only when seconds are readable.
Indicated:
12.56
